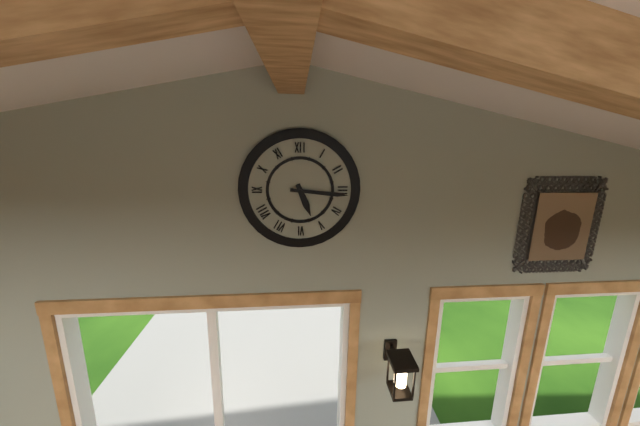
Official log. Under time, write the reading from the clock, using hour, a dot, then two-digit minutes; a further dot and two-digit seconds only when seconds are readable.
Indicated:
5.16
